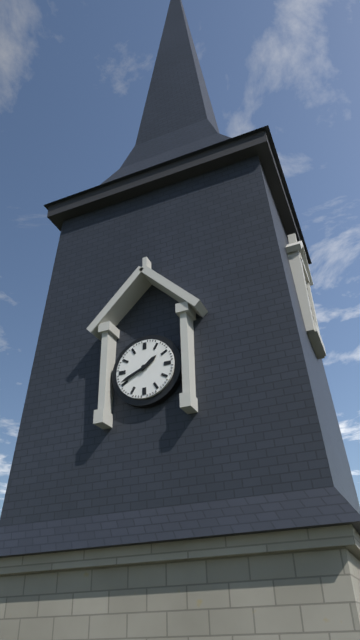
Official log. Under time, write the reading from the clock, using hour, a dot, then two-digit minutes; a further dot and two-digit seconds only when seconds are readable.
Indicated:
1.41
